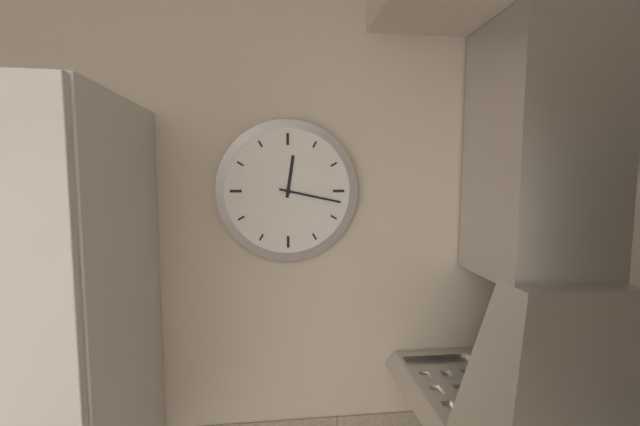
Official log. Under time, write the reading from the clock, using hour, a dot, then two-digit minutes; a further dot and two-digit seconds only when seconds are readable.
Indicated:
12.17
